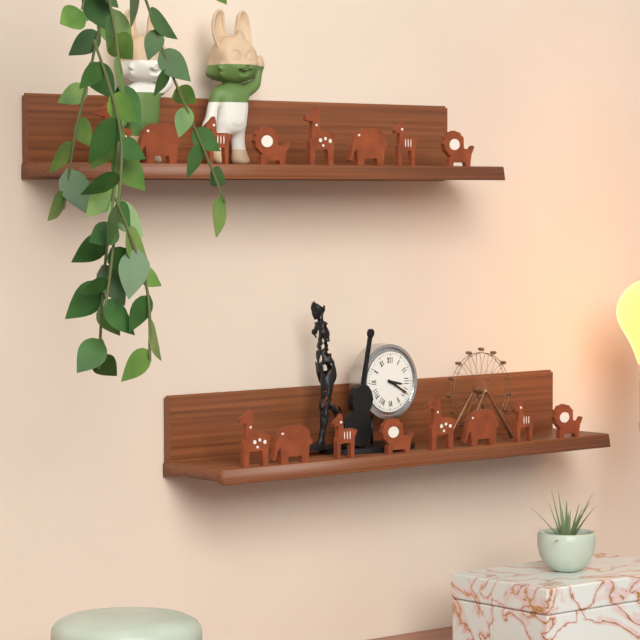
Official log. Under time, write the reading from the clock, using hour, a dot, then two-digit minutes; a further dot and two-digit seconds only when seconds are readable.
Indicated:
3.20
